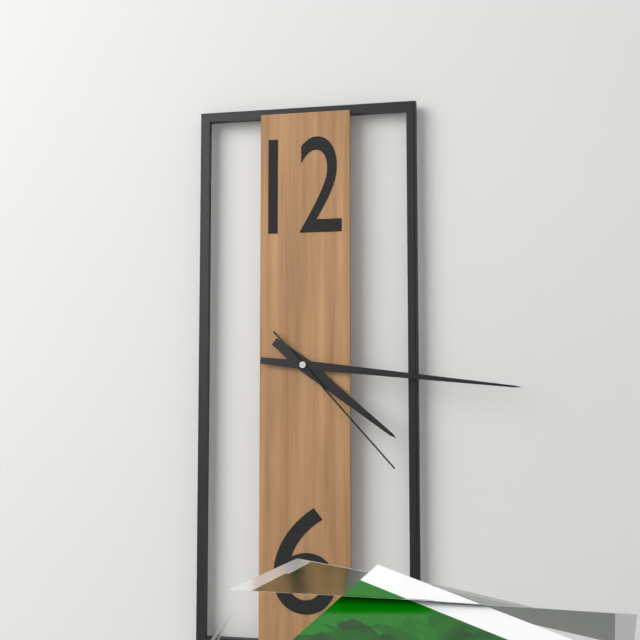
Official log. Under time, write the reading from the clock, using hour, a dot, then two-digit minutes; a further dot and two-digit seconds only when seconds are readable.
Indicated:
4.16.23
